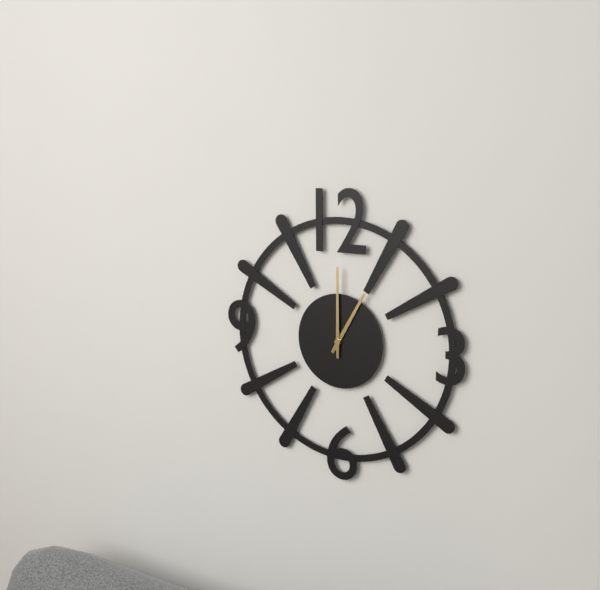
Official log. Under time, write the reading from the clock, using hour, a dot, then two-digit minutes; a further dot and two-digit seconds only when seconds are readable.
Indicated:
1.00
